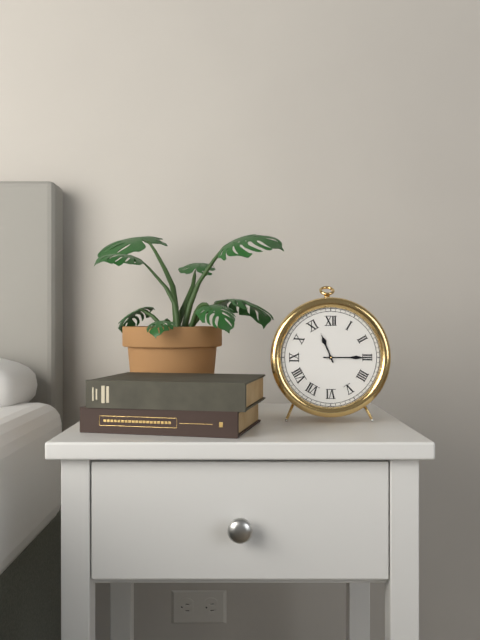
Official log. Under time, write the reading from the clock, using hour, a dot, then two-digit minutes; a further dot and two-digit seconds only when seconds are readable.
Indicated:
11.15
